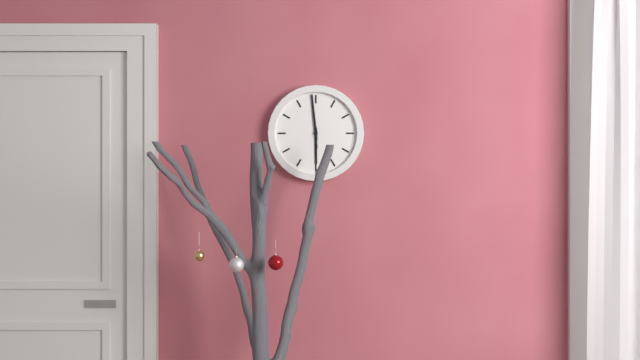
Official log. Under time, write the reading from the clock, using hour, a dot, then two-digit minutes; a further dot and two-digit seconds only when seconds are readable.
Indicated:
5.59
